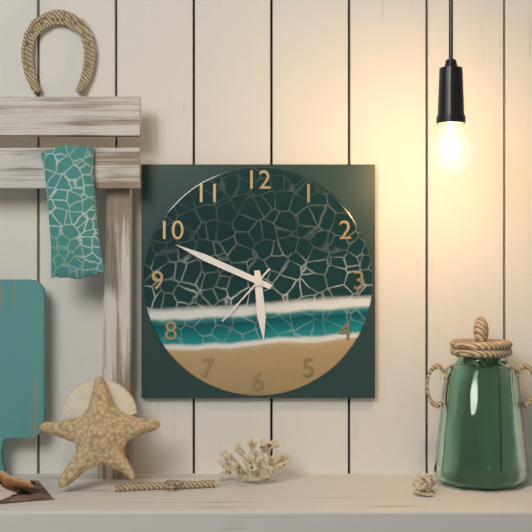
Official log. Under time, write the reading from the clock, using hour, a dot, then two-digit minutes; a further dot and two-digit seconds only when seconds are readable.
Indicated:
5.49.37
